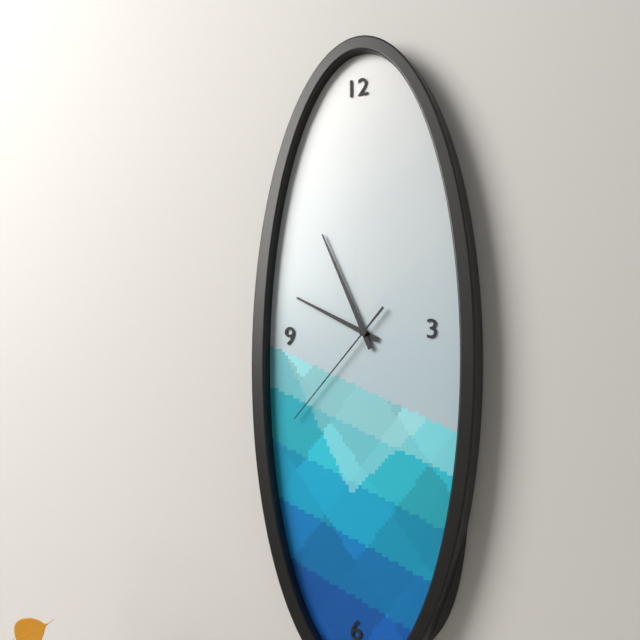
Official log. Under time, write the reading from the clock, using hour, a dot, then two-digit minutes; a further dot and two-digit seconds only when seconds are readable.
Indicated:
9.56.37
